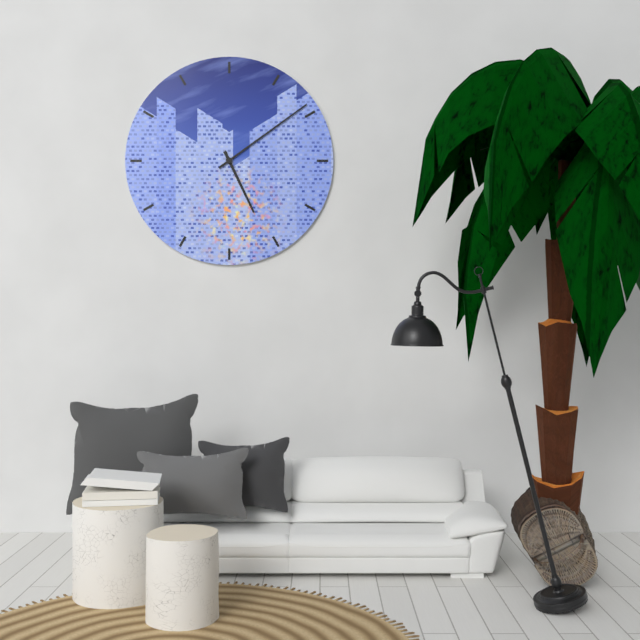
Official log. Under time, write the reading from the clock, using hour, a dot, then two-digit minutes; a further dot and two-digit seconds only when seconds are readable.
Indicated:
5.09
